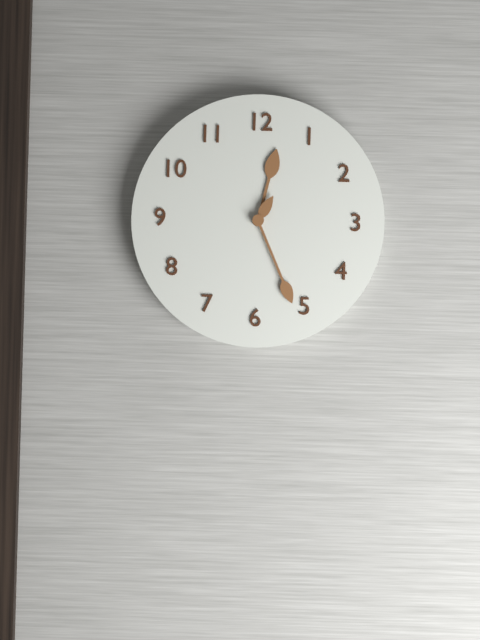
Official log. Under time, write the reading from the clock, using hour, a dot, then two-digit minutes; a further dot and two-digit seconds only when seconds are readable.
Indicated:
12.26
